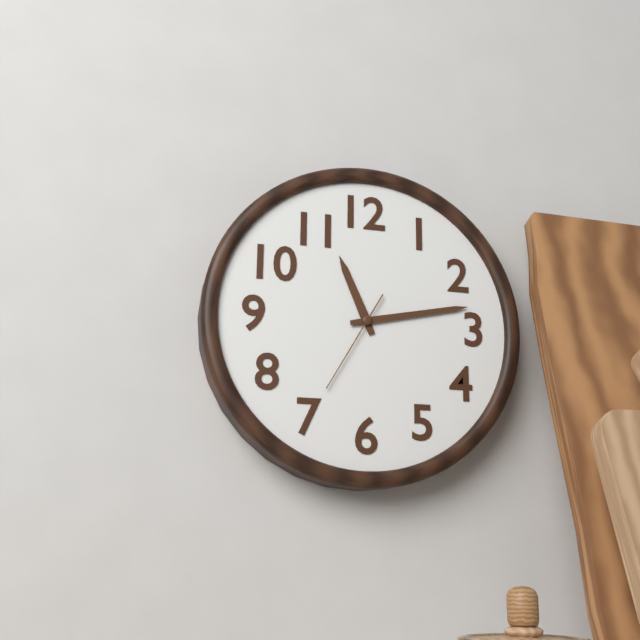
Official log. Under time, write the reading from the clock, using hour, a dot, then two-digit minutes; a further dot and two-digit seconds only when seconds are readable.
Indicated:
11.13.35
